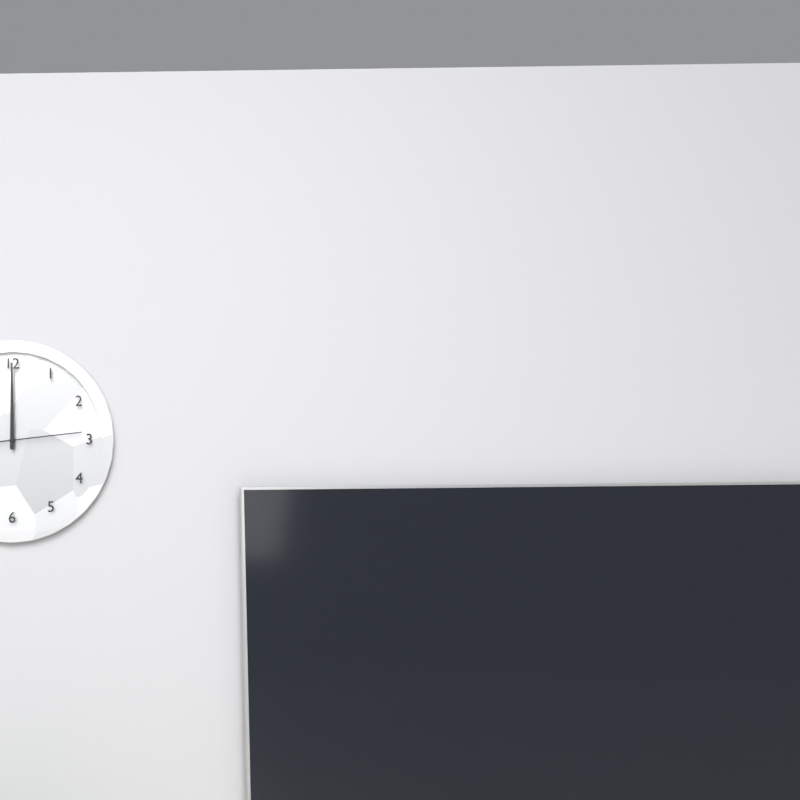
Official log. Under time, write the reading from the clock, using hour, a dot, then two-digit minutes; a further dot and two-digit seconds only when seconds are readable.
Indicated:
12.00.14
